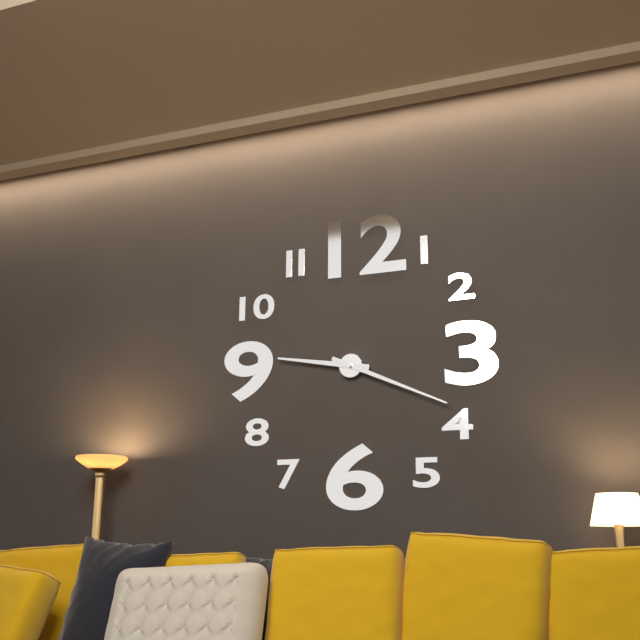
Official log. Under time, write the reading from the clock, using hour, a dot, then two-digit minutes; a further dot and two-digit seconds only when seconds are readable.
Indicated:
9.19
